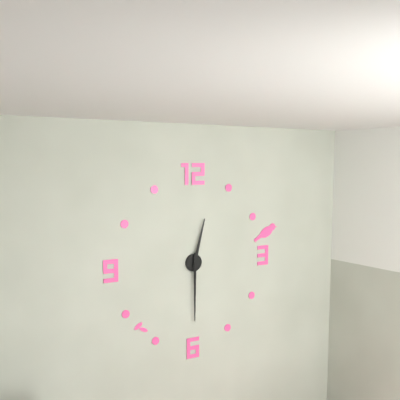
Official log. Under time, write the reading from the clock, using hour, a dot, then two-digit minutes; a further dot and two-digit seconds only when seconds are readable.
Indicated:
12.30
